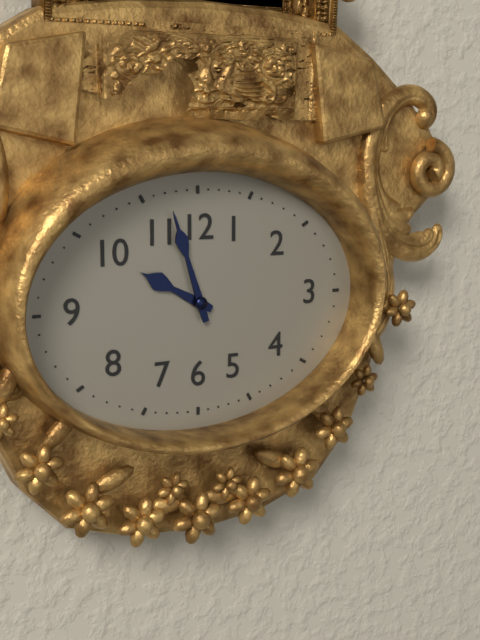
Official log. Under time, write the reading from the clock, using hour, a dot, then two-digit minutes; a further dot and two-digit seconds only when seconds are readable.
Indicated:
9.57
